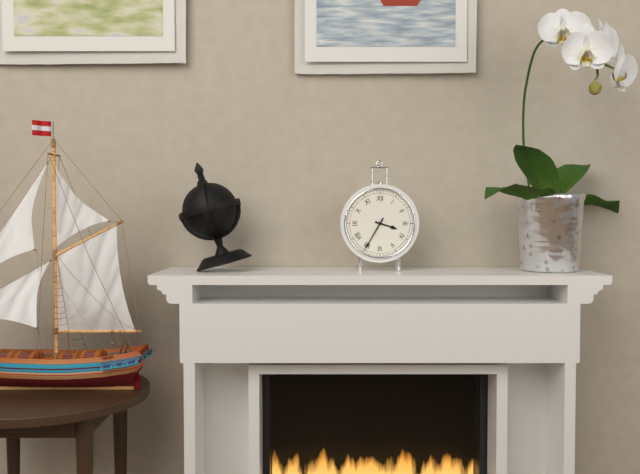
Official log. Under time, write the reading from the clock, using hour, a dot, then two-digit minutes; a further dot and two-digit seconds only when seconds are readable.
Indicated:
3.35
